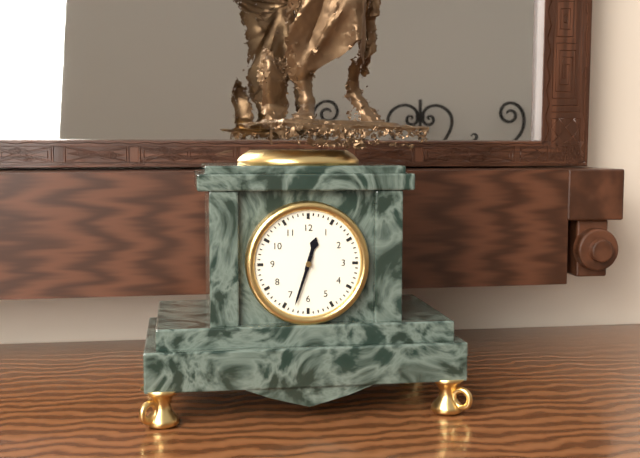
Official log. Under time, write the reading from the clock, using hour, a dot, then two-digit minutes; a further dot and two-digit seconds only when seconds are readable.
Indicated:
12.33
